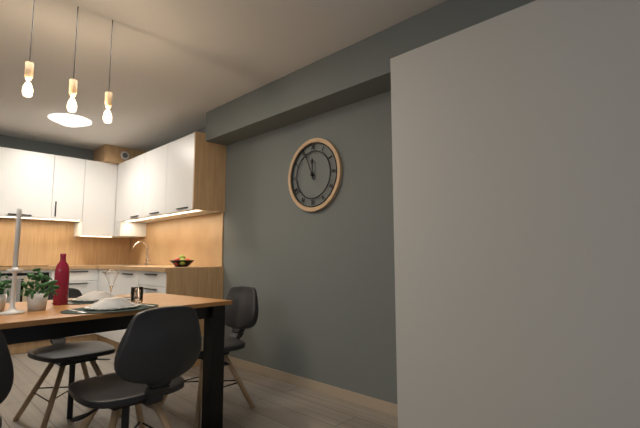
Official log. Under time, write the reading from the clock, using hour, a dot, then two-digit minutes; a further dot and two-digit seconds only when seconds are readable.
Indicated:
11.56
